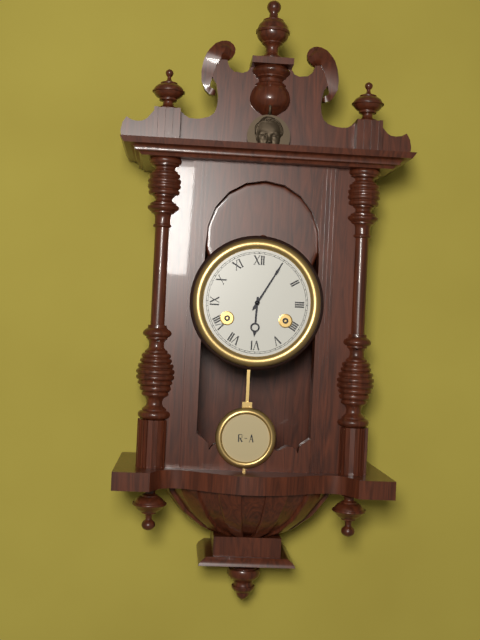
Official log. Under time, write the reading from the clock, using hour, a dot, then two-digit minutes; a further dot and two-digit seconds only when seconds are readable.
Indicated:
6.05
